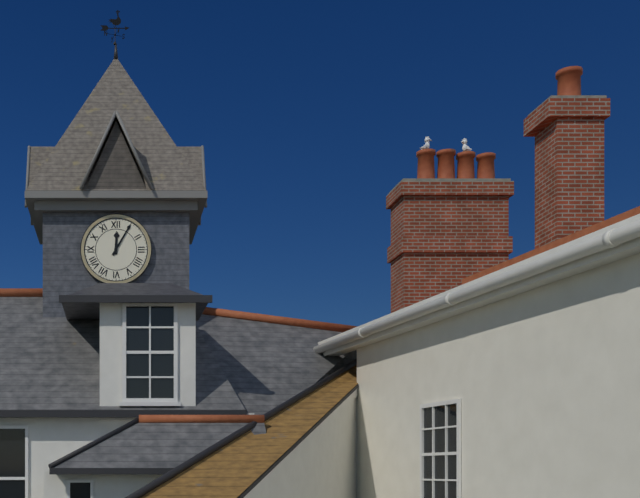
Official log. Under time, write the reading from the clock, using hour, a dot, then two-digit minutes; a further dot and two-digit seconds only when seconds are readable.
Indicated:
12.05
